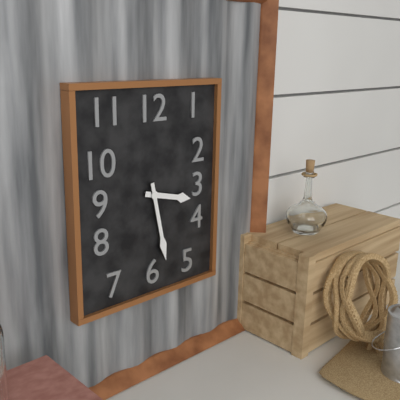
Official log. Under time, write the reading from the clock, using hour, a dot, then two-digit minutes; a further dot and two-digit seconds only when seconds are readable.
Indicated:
3.28
